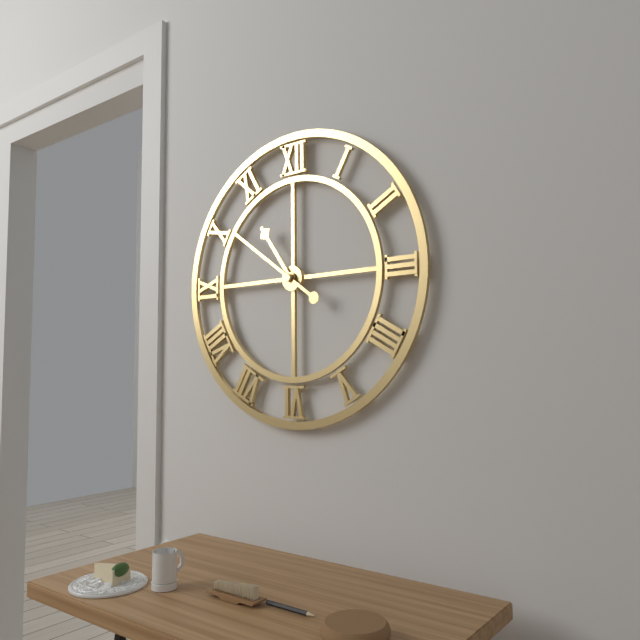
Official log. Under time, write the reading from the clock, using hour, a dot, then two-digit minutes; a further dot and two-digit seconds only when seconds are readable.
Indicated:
10.51
